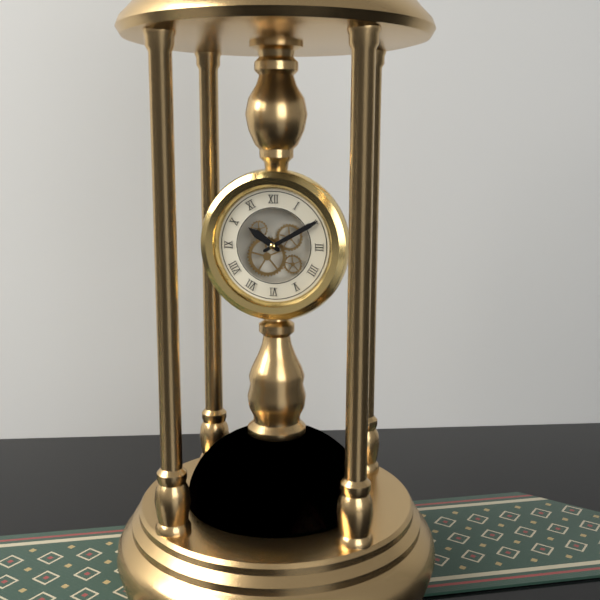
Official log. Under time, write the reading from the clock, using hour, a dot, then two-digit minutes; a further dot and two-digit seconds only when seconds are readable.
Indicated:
10.10
